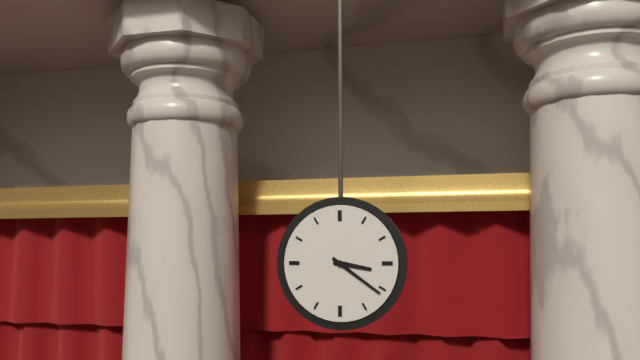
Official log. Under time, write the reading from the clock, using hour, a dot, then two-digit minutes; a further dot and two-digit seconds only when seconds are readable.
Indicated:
3.21
